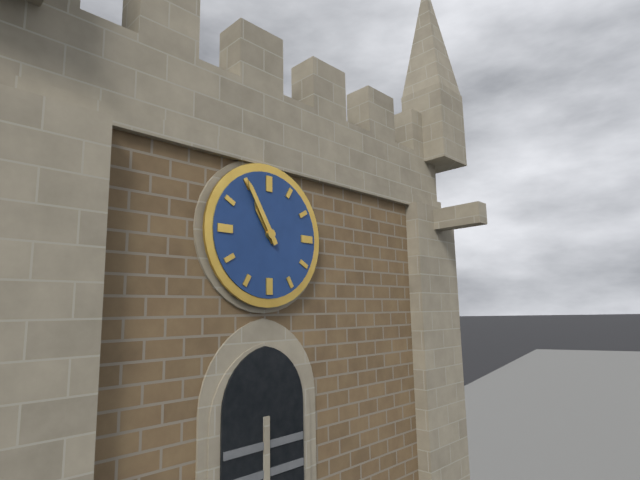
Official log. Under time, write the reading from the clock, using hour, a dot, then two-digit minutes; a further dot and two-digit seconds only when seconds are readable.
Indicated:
10.55
